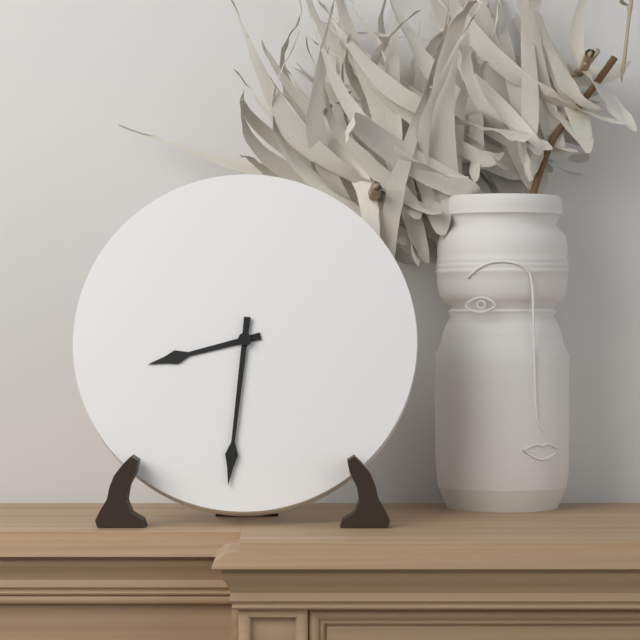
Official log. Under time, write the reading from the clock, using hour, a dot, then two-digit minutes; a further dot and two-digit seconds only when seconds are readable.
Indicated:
8.31
